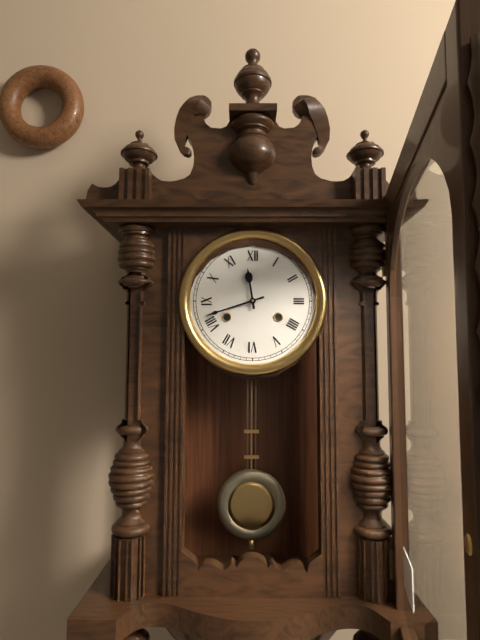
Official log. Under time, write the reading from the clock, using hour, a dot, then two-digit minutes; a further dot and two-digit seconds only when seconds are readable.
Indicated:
11.42
